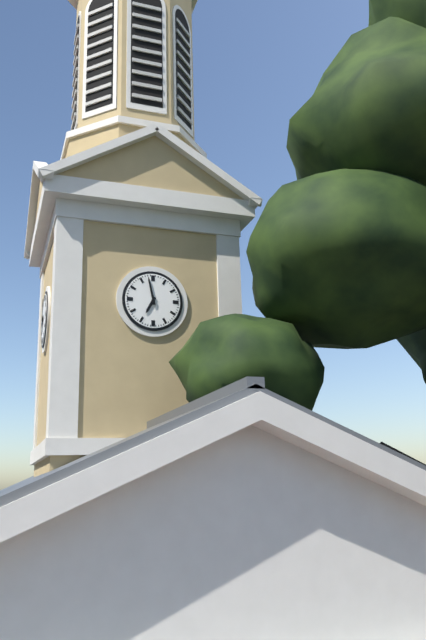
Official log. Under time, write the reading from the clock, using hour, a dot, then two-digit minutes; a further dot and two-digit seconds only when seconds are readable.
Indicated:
6.58
